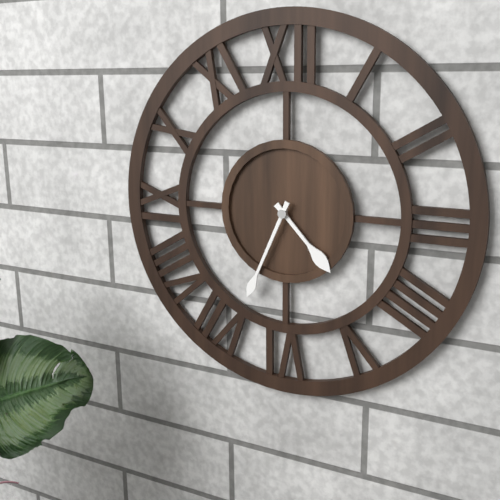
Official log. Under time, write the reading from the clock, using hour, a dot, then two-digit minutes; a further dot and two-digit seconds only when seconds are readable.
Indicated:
4.34
